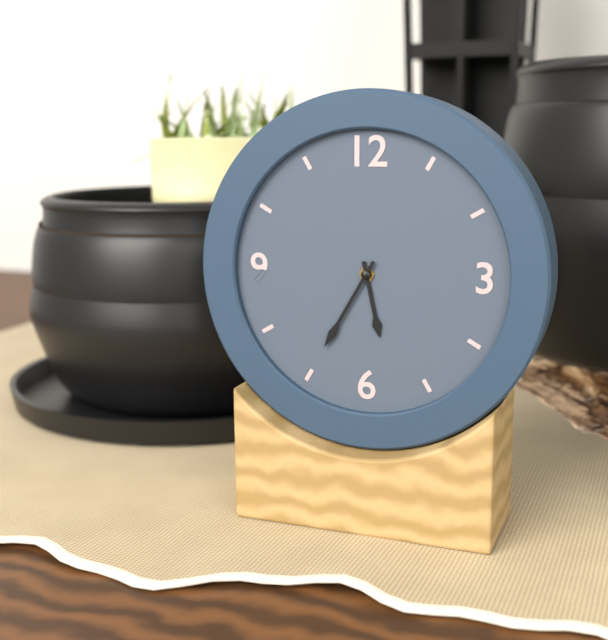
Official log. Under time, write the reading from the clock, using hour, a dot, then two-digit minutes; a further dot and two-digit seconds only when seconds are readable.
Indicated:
5.35
